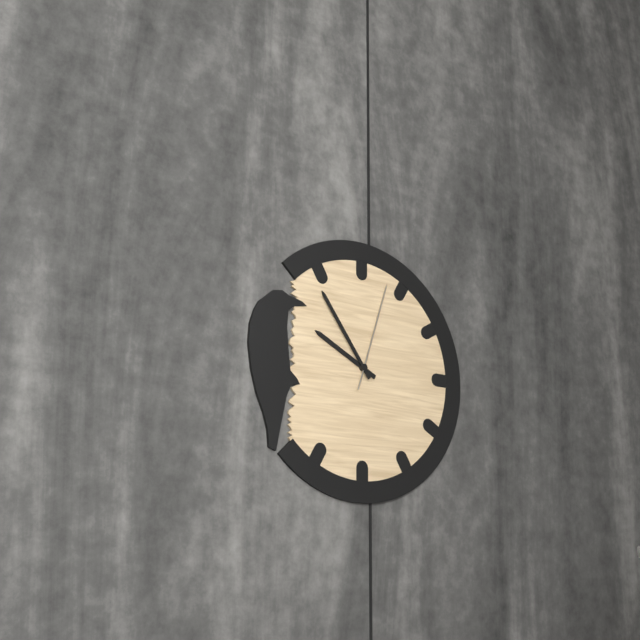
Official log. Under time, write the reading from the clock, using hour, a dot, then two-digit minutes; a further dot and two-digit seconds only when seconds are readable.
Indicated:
9.54.03
